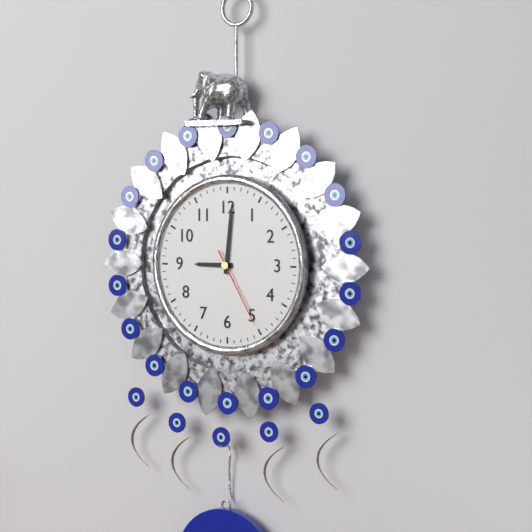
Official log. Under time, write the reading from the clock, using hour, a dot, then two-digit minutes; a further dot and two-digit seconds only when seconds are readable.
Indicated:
9.01.25
